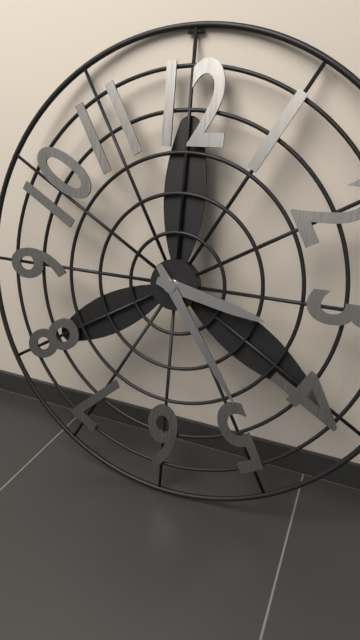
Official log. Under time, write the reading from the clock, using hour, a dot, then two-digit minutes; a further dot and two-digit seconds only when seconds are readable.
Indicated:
3.24
